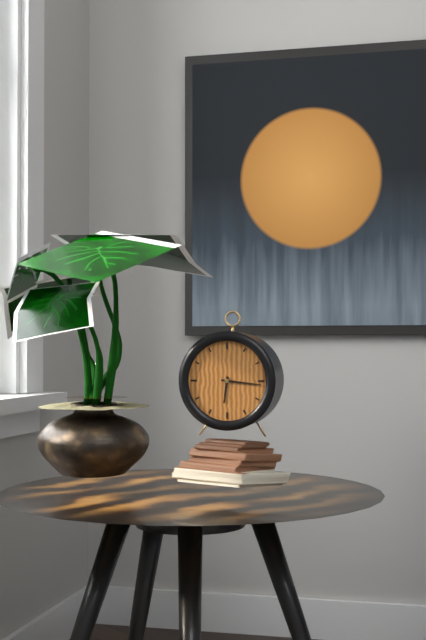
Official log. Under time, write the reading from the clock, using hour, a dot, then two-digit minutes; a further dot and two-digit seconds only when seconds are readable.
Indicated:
6.16
